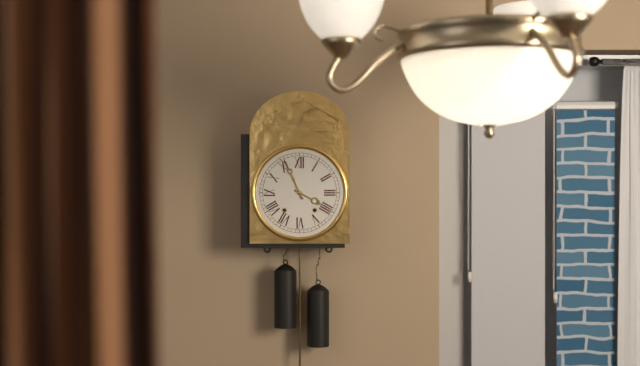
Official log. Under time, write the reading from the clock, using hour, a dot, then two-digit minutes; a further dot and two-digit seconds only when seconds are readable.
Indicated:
3.56
